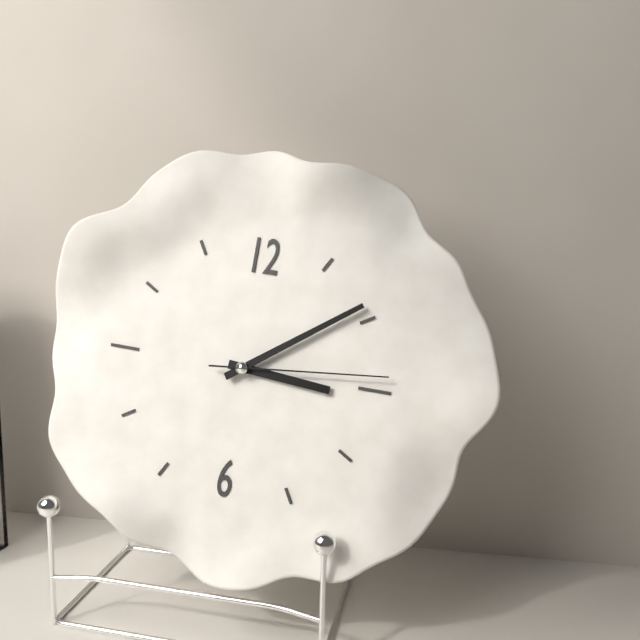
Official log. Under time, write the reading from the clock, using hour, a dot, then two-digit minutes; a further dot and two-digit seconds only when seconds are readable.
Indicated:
3.09.14
